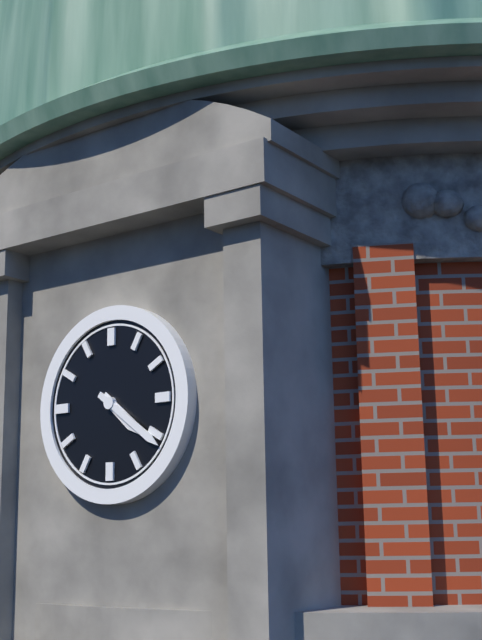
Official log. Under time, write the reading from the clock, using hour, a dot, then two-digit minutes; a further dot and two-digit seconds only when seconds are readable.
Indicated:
4.21
